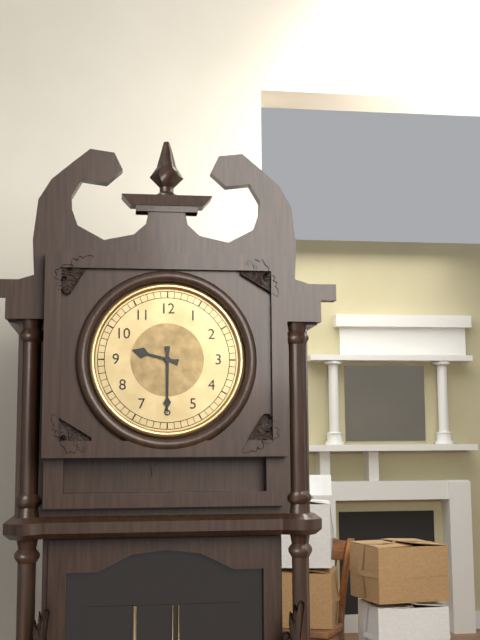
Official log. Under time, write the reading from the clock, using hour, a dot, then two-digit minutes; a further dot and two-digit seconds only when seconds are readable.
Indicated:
9.30
